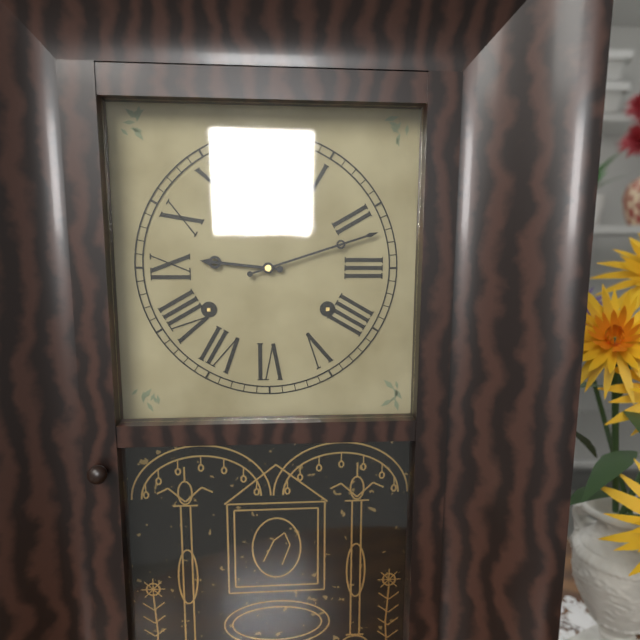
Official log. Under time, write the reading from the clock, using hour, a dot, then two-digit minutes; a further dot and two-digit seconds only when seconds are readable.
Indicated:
9.12
